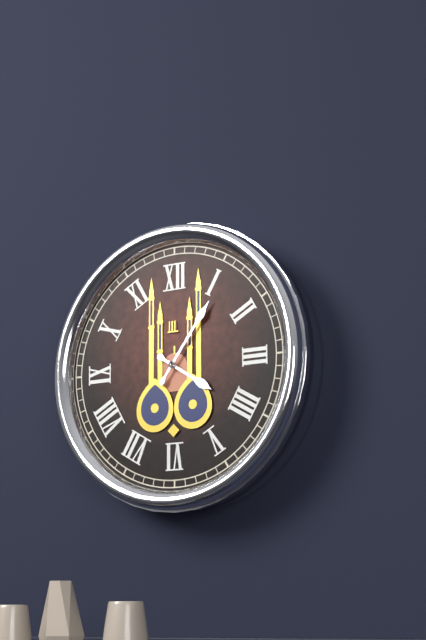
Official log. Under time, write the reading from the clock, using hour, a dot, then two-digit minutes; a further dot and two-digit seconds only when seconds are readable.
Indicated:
4.06
